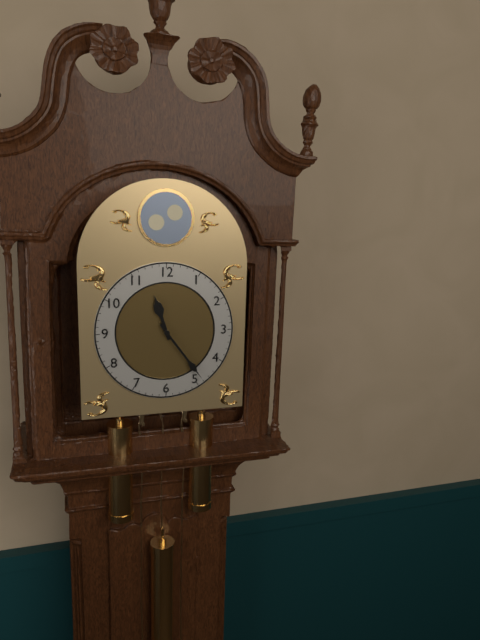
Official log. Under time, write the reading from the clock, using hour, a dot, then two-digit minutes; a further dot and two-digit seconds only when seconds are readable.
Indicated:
11.24
